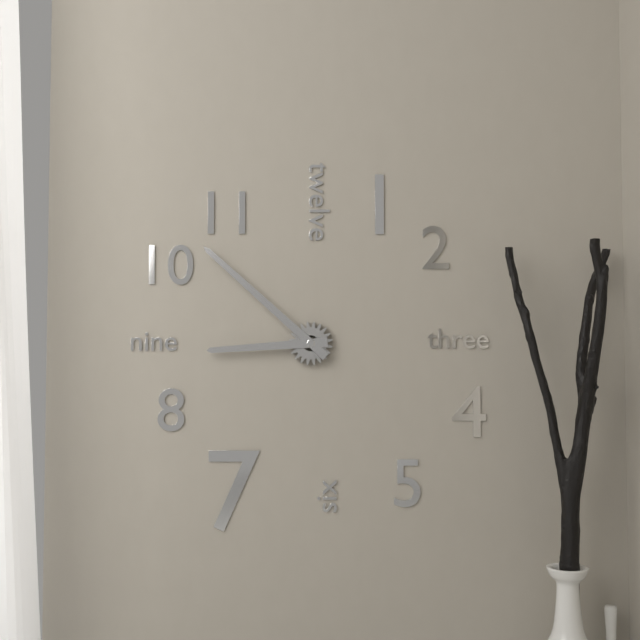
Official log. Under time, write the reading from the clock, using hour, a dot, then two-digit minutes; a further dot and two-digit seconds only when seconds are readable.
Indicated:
8.52
